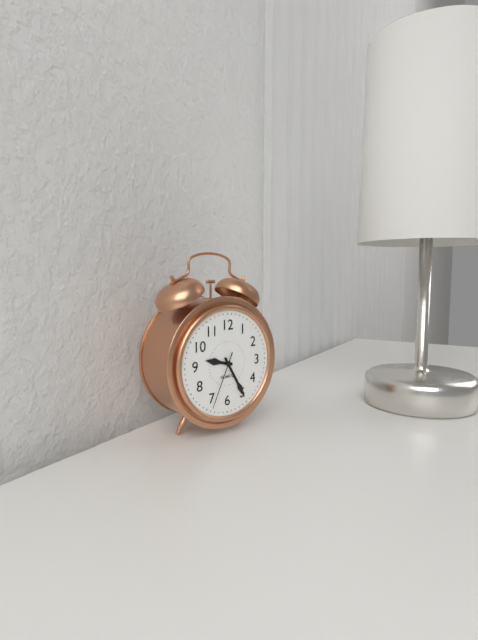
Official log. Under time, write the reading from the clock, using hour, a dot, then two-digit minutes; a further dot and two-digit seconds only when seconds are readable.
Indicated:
9.25.34
